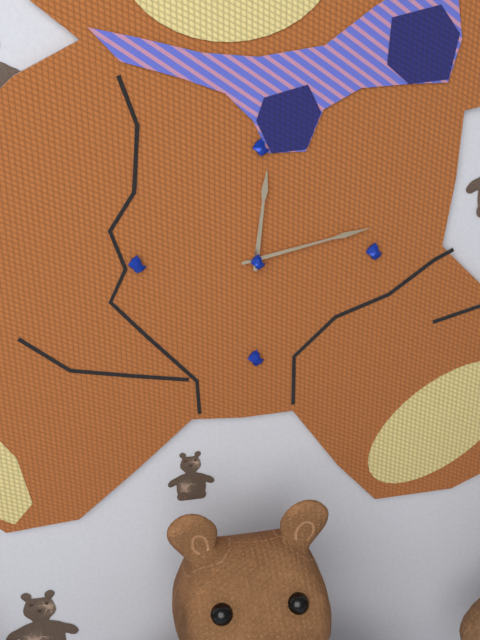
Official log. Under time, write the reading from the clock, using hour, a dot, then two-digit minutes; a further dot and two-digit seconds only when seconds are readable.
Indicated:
12.13
